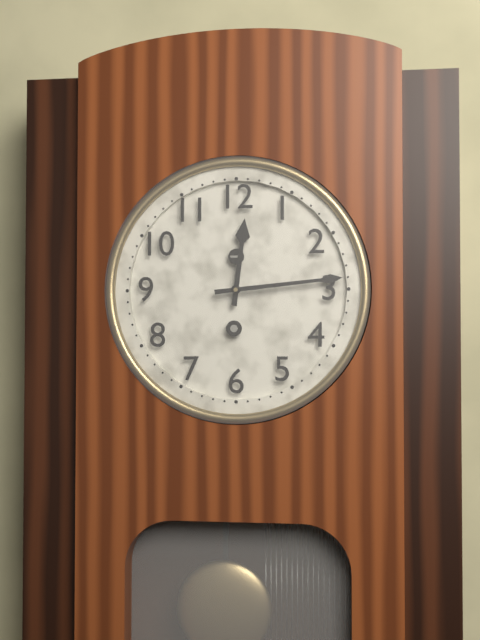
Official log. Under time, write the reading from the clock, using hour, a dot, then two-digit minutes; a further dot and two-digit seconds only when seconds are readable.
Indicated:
12.14
